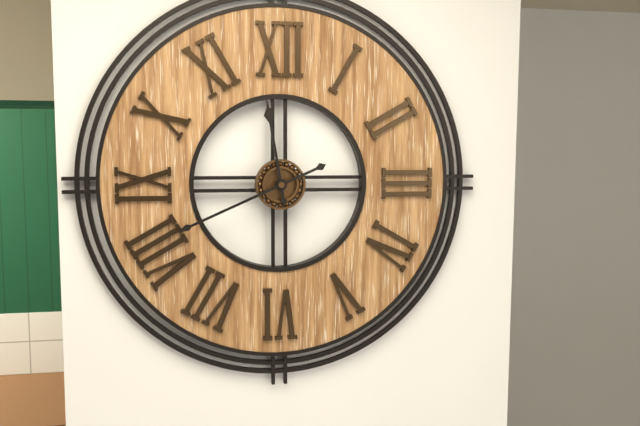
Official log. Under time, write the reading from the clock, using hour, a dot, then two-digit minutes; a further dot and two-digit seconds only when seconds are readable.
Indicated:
11.41
